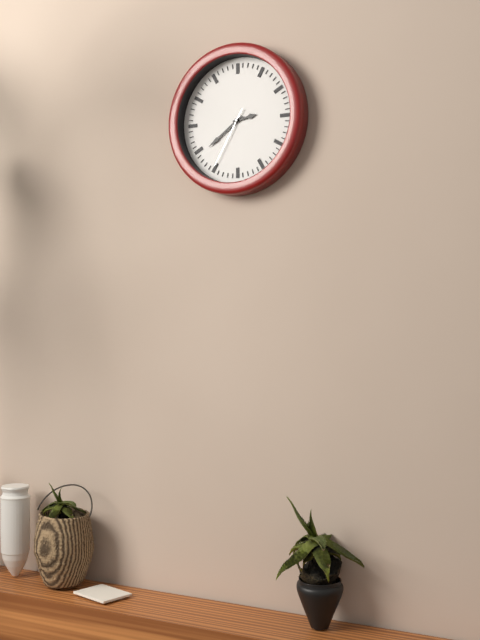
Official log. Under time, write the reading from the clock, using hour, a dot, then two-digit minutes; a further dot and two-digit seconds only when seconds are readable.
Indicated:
2.39.35
